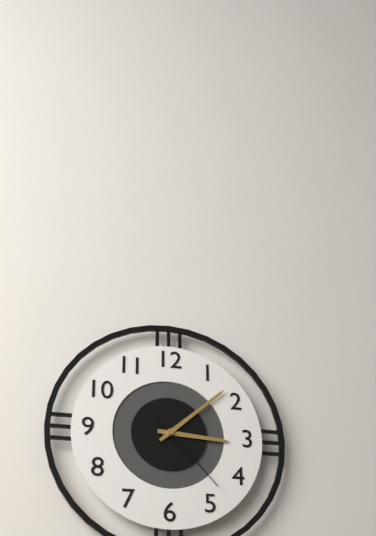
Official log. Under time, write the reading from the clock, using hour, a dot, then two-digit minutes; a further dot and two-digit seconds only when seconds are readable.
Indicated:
3.08.23
